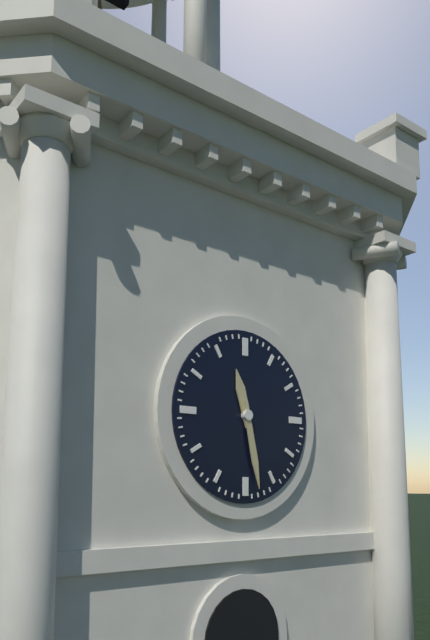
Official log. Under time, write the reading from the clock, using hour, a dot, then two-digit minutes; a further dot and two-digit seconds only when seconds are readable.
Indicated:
11.28
